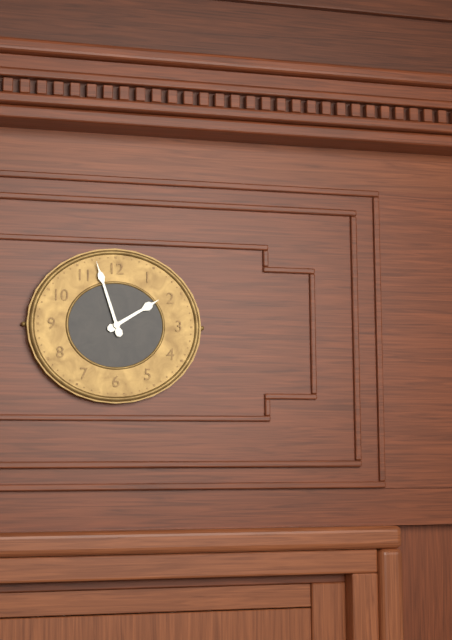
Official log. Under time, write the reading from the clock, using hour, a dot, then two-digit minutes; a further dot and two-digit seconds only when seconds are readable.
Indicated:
1.57
